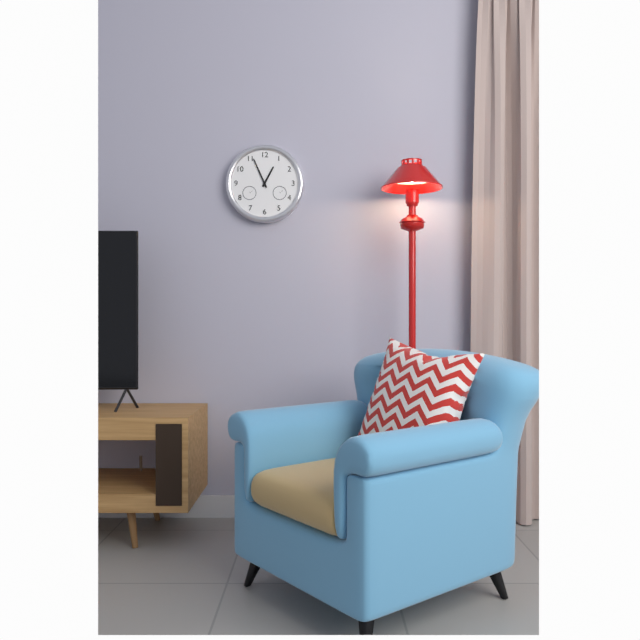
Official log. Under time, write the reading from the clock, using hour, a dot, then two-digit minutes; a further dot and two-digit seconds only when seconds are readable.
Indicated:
12.56
